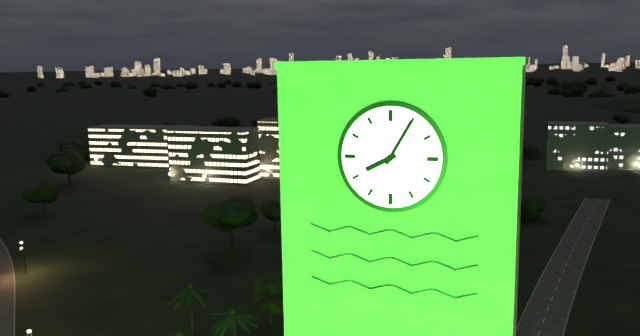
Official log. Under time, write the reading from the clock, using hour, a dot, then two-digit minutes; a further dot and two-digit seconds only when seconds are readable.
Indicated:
8.05
